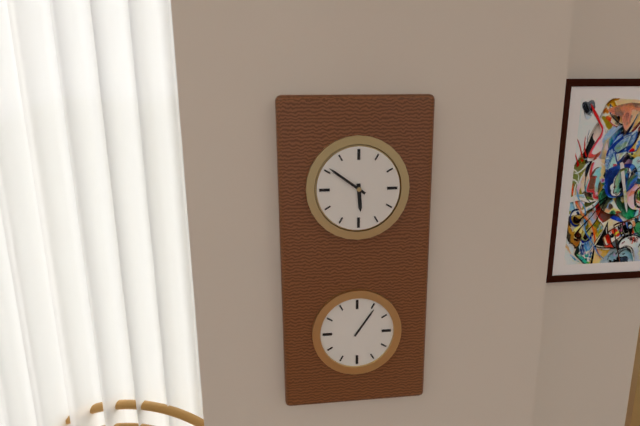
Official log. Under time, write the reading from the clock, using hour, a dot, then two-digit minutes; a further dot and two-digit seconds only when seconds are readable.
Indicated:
5.51
